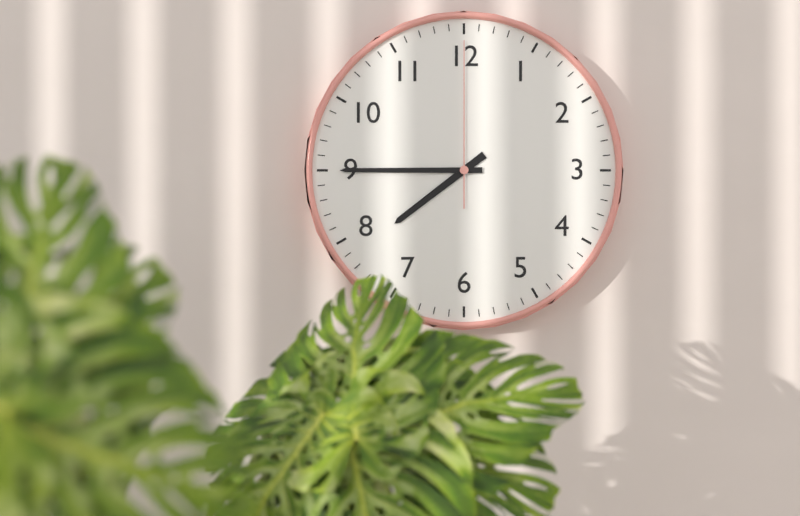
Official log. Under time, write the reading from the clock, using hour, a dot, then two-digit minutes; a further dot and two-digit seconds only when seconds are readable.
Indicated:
7.45.00
